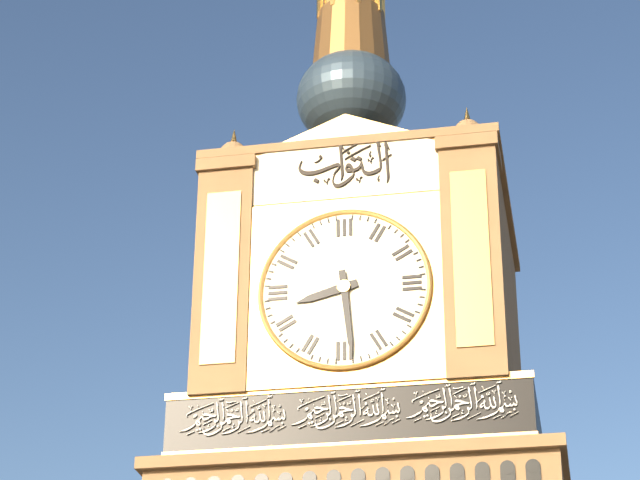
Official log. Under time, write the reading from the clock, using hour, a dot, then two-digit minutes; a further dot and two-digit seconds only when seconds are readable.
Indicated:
8.29
